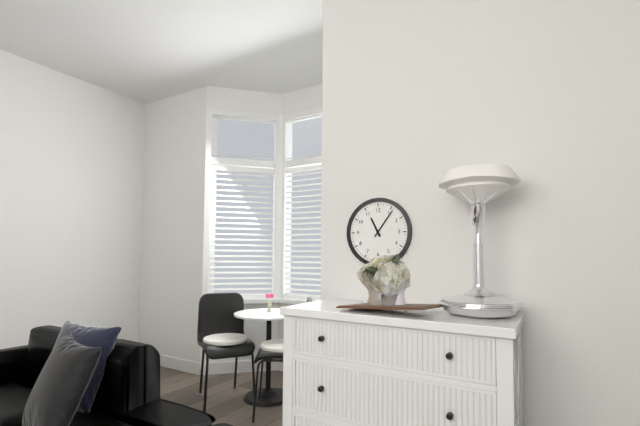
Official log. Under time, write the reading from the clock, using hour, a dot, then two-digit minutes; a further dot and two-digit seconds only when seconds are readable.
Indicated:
11.06
